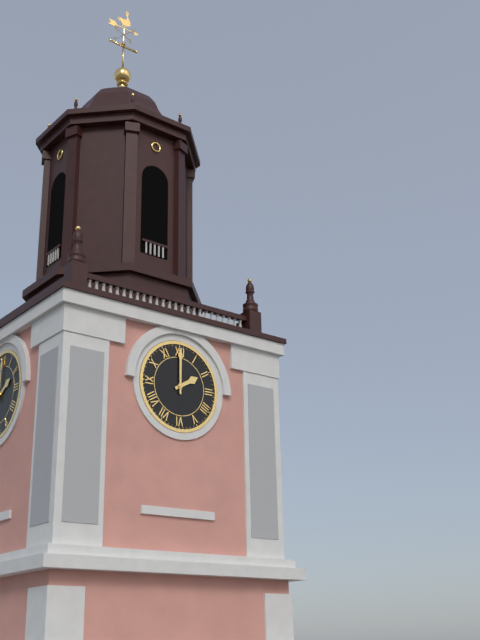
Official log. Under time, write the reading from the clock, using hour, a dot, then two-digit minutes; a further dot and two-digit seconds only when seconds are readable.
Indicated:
2.00
